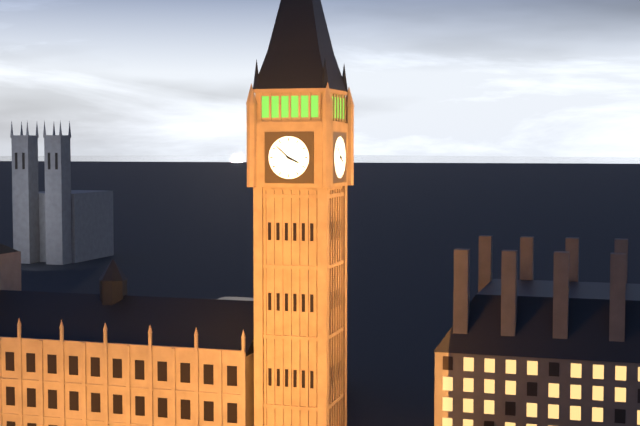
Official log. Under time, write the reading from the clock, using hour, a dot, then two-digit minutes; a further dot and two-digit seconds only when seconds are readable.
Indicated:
3.52
